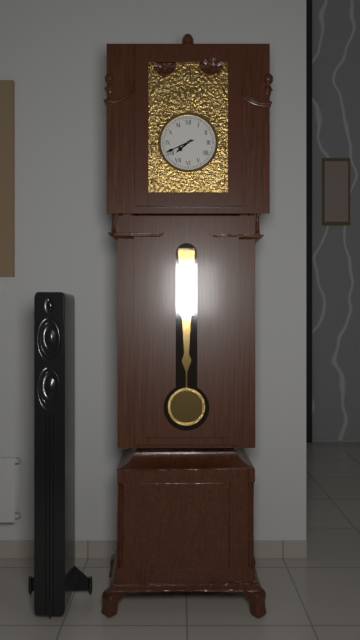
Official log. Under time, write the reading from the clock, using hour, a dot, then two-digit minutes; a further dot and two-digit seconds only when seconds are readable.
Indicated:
7.41
